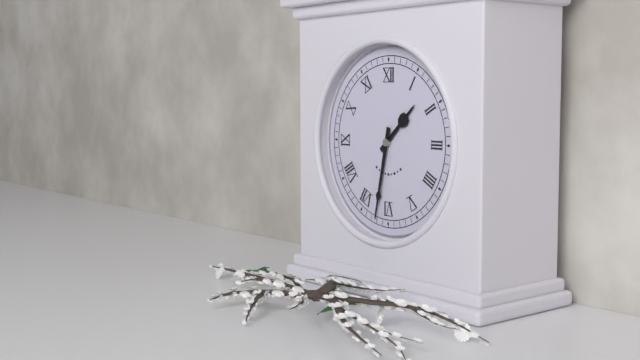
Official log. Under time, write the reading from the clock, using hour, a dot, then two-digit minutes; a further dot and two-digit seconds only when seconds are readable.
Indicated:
1.32
